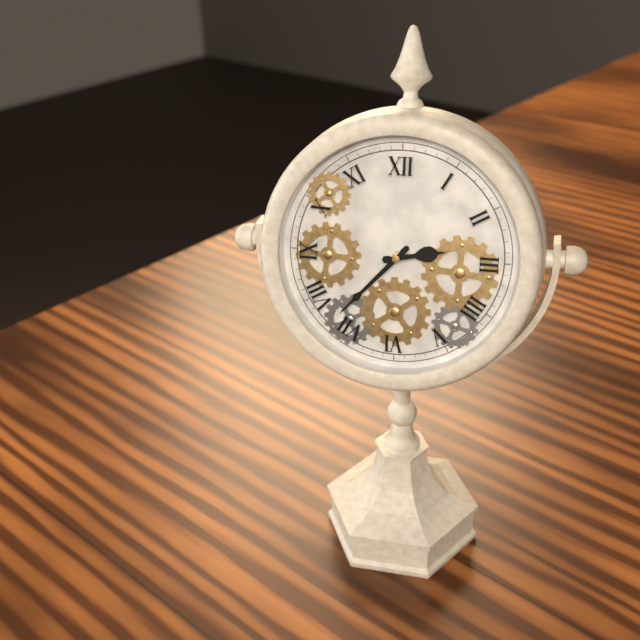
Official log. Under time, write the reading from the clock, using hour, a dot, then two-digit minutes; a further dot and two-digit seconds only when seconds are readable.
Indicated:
2.37
